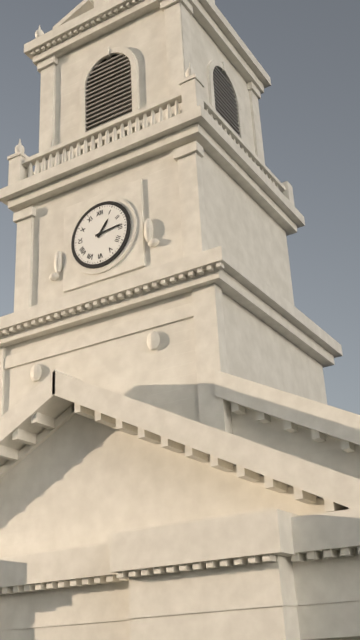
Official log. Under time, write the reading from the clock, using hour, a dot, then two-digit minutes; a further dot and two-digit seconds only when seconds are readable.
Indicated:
1.14
